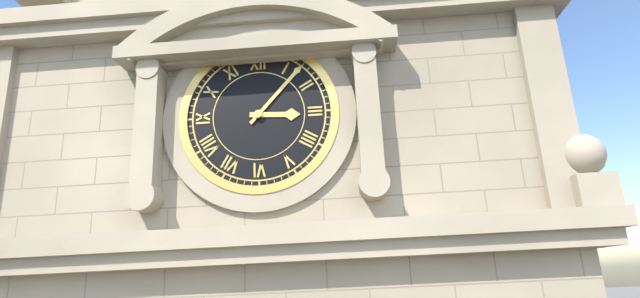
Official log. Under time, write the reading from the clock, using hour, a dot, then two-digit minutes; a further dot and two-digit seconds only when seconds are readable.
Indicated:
3.07
